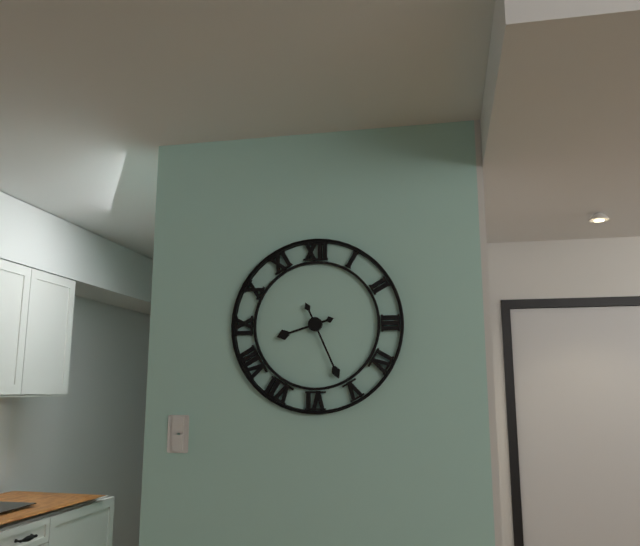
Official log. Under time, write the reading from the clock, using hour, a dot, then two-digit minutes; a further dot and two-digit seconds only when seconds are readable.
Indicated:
8.26
